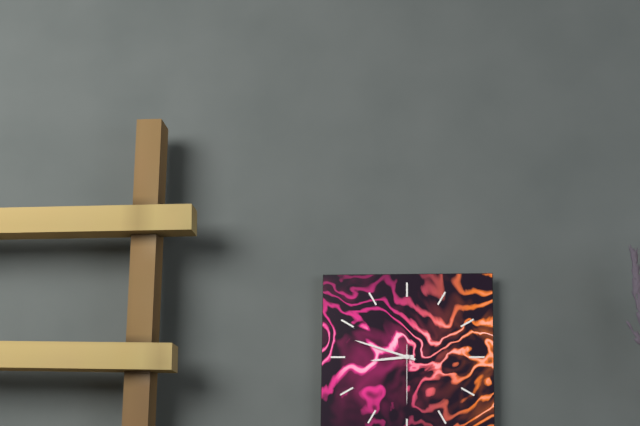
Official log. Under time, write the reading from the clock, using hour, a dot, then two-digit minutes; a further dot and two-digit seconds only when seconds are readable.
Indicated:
8.48.30
